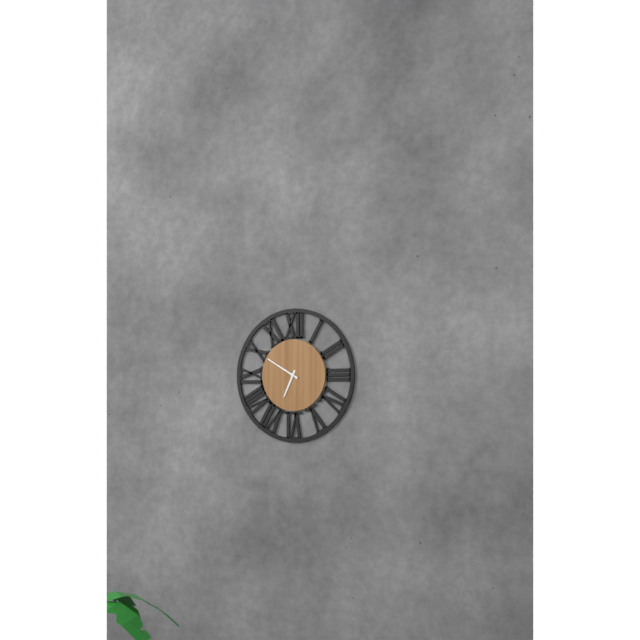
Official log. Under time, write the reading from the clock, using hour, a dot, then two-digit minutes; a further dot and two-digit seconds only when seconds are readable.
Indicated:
6.50
